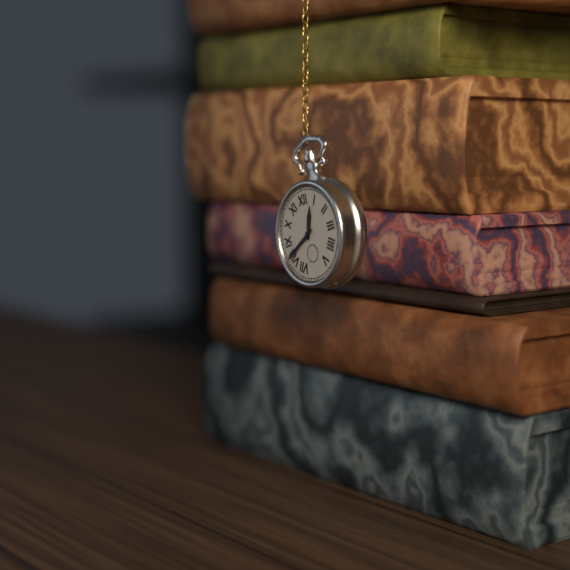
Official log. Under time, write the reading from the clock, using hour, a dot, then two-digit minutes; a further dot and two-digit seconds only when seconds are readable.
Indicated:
12.41
